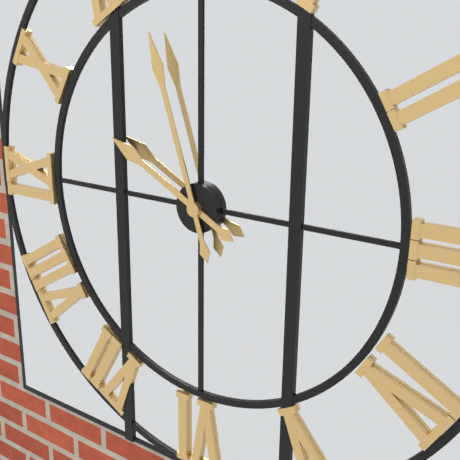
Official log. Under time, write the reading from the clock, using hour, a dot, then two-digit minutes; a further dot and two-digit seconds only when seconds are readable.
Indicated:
9.57
